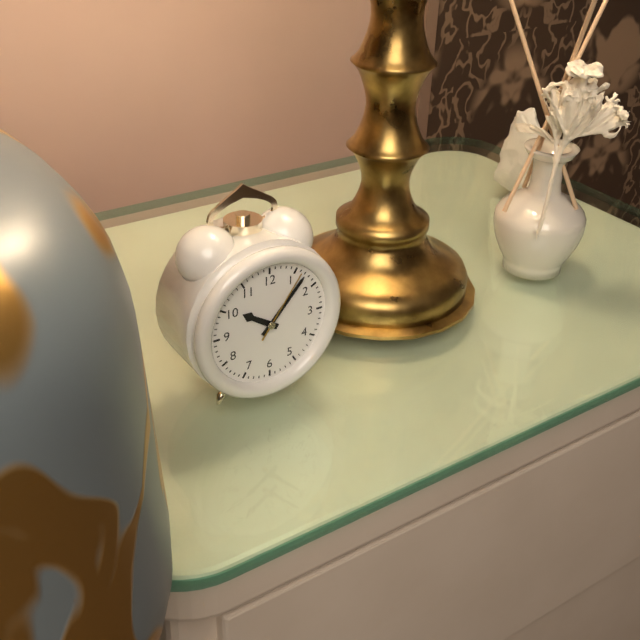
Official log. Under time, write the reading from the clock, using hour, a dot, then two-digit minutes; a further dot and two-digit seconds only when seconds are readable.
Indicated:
10.07.06
